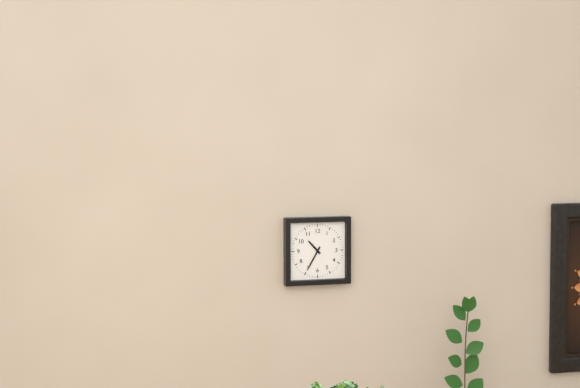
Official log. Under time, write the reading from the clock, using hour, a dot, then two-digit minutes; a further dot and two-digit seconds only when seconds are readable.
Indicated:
10.35
